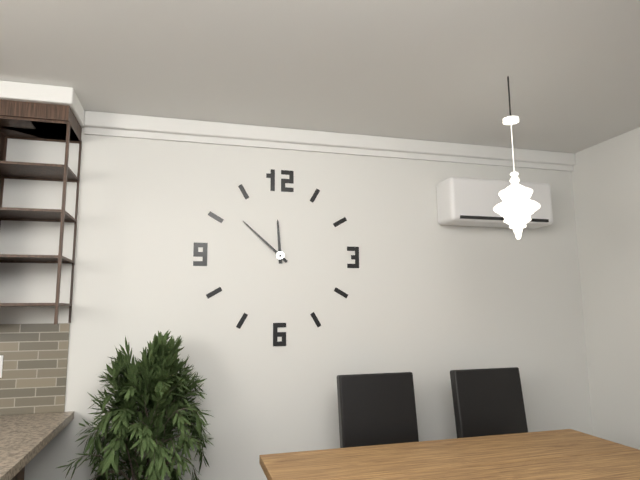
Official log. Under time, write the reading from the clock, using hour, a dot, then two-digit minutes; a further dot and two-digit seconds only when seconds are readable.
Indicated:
11.52
